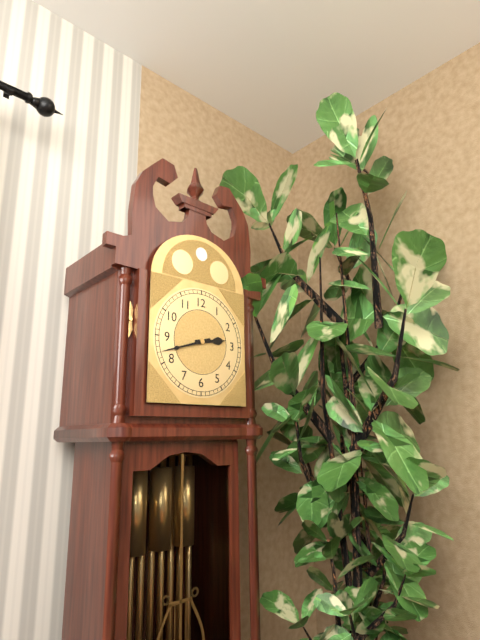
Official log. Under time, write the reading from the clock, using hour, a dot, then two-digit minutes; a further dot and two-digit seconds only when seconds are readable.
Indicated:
2.42
